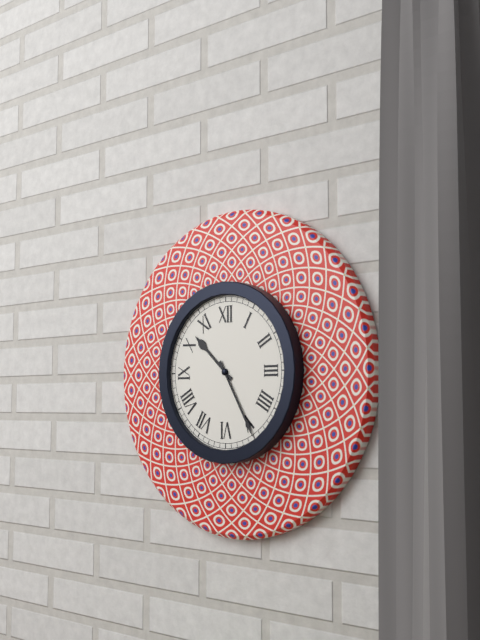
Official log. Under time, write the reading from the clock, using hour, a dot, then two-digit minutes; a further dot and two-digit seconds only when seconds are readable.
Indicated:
10.25
